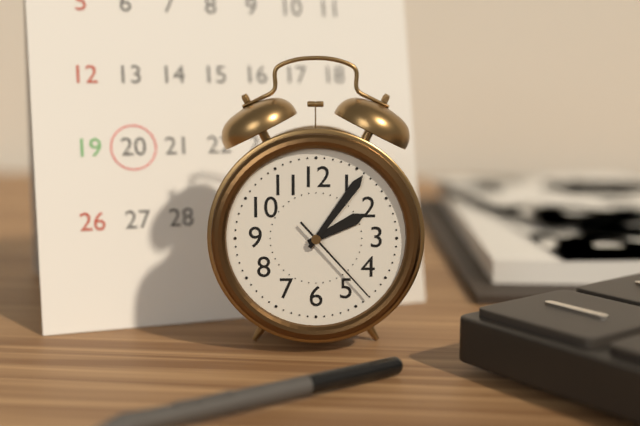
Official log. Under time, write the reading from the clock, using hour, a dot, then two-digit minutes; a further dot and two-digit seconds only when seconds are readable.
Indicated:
2.06.23
